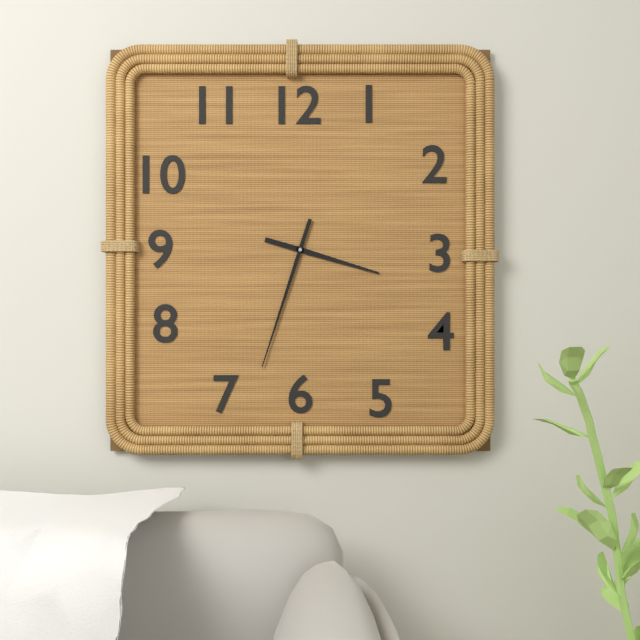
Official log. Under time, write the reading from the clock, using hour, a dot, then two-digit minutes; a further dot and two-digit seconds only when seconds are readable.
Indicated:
3.33
